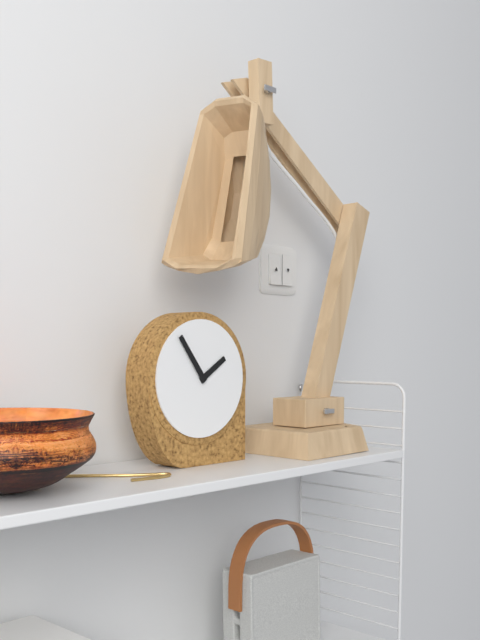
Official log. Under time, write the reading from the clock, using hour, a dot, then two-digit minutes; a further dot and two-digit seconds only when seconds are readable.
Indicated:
1.54
